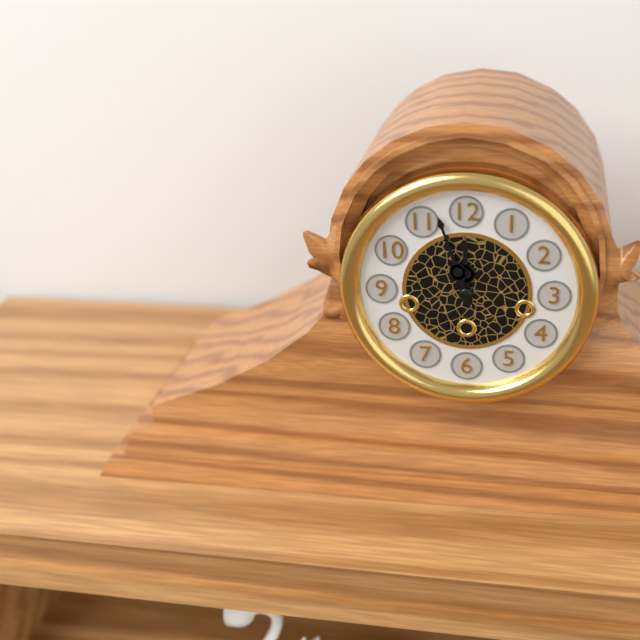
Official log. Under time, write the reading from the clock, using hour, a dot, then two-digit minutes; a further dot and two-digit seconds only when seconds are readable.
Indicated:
11.57
